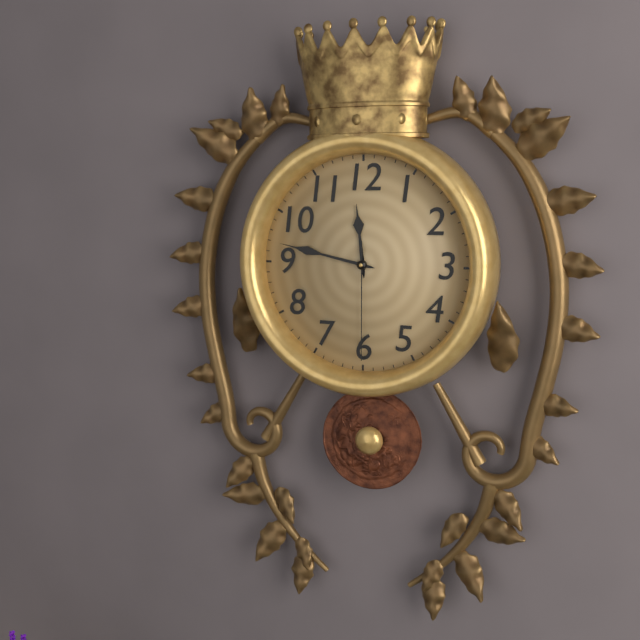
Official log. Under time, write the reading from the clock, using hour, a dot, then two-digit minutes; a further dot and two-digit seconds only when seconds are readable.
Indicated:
11.47.30
